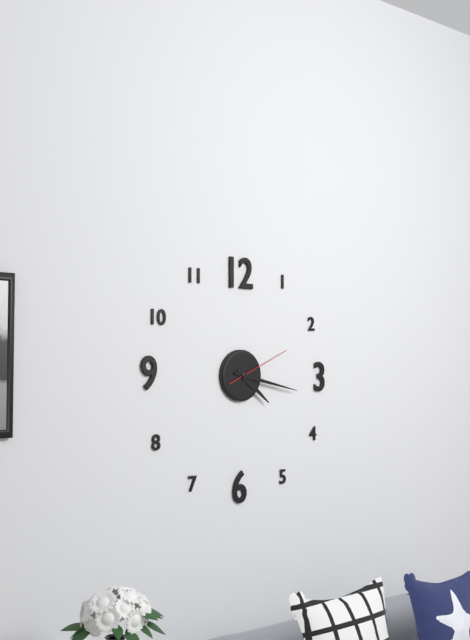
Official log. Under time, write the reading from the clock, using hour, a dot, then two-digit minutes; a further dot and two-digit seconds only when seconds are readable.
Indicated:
4.17.11
